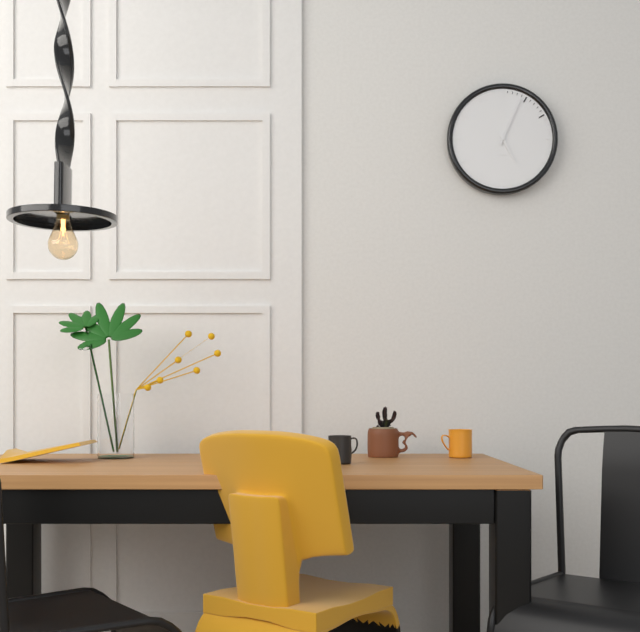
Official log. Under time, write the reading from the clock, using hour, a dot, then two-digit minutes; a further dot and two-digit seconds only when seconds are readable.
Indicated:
5.04
